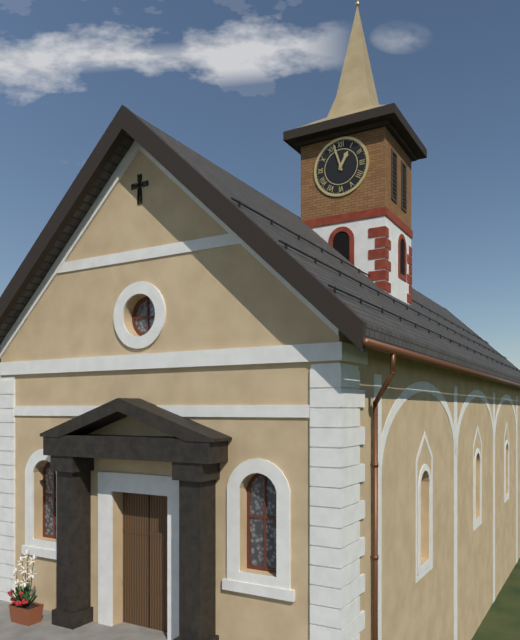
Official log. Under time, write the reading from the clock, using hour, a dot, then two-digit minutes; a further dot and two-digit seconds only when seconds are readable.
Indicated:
12.57
